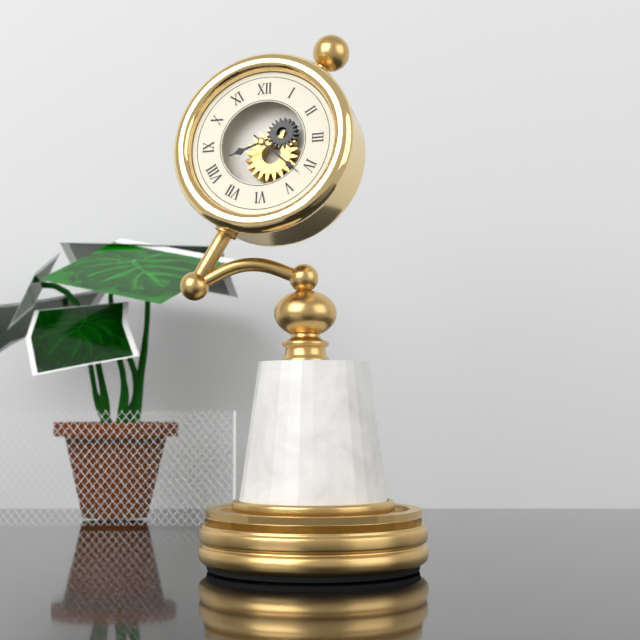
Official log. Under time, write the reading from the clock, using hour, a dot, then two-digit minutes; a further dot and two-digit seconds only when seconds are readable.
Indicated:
8.22
